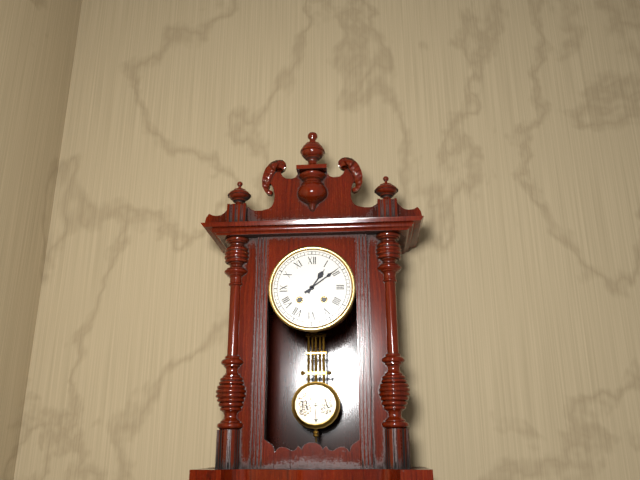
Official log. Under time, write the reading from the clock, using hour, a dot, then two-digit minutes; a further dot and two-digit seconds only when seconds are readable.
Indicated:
1.09
